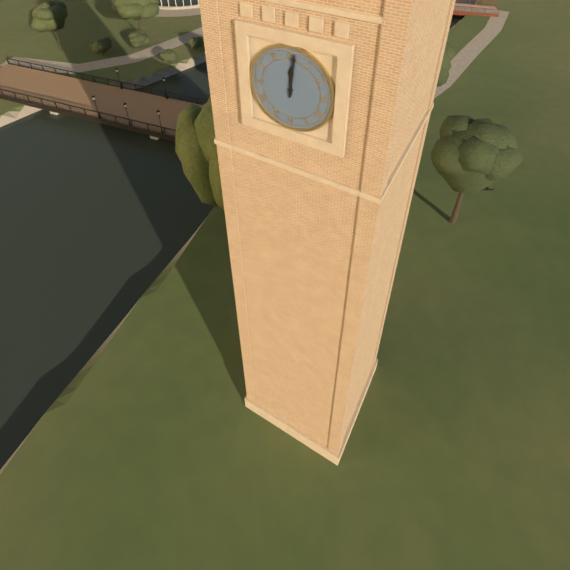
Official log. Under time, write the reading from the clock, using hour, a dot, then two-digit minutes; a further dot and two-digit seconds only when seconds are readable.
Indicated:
12.01
